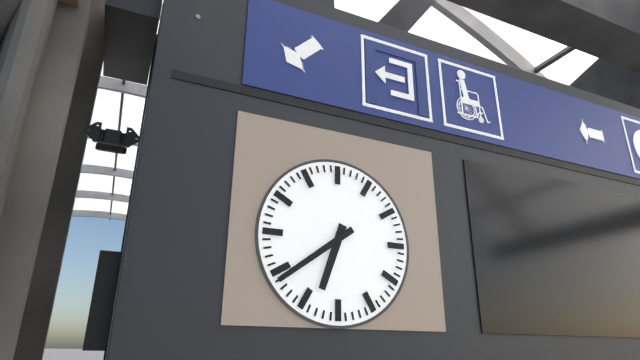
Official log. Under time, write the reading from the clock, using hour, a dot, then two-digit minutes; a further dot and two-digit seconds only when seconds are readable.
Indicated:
6.39
